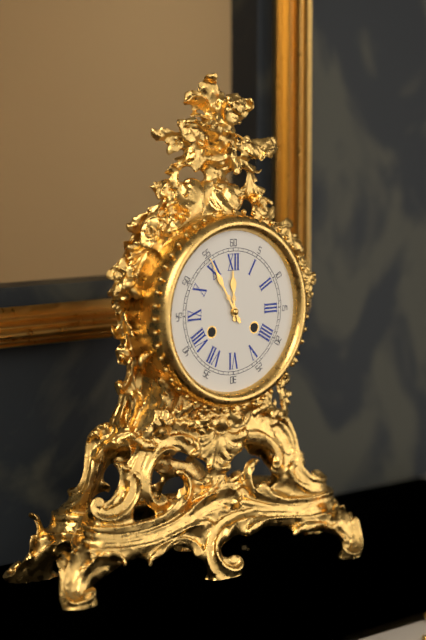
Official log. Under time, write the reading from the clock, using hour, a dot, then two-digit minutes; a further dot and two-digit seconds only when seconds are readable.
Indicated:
11.55
